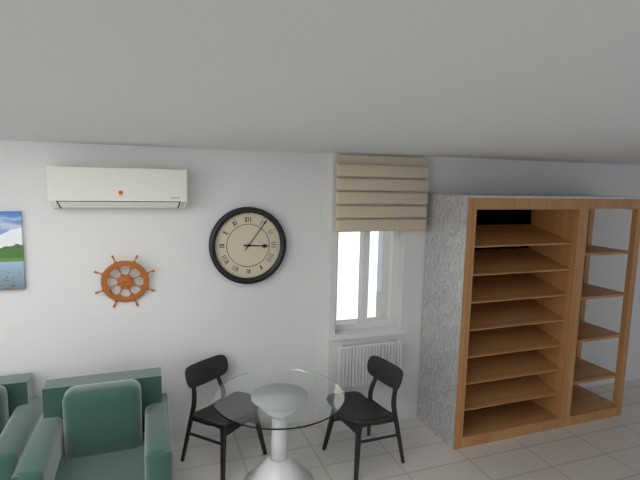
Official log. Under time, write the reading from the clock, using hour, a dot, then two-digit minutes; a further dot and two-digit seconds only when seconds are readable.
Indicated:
3.06
